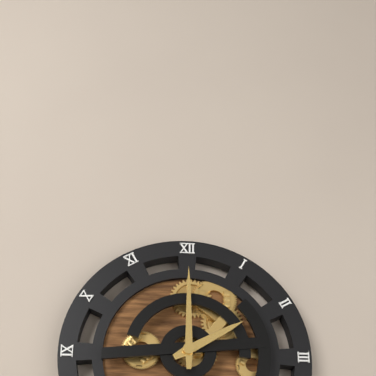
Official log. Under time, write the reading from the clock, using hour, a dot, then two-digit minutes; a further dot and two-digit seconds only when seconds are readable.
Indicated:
2.00
